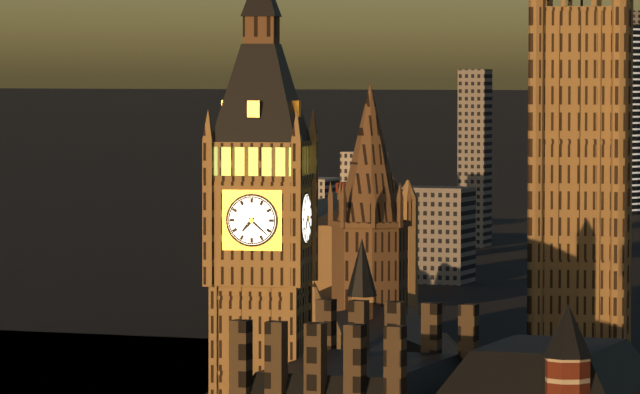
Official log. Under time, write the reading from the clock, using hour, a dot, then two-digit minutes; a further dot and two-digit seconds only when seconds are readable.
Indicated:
7.22
